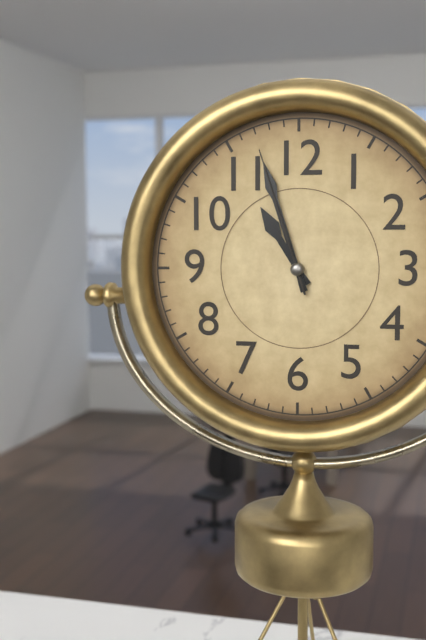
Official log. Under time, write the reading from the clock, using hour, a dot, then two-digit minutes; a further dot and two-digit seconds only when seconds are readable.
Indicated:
10.57.57
